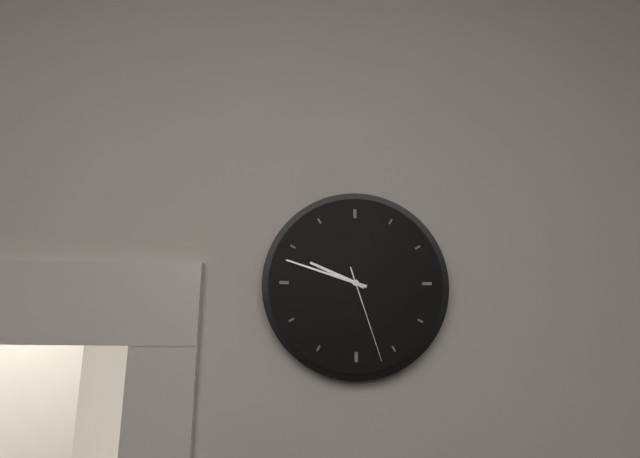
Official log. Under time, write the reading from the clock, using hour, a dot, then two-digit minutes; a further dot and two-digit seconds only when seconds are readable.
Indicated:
9.48.27
